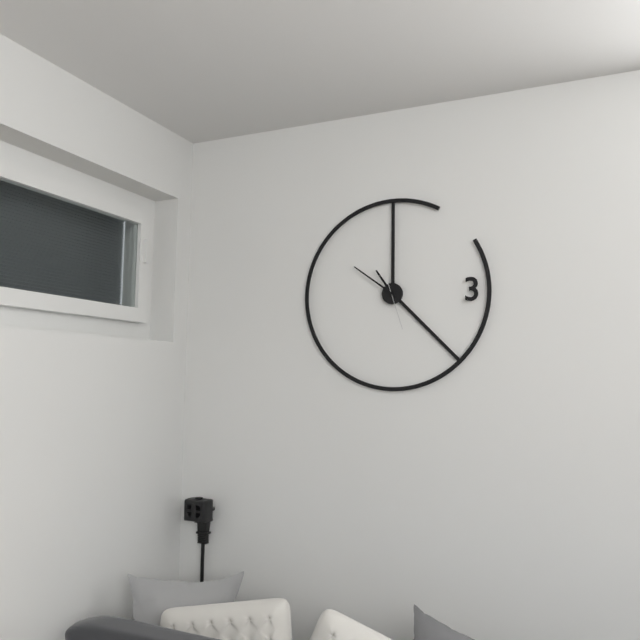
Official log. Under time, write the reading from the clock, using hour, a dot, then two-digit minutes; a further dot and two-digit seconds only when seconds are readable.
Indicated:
10.51
